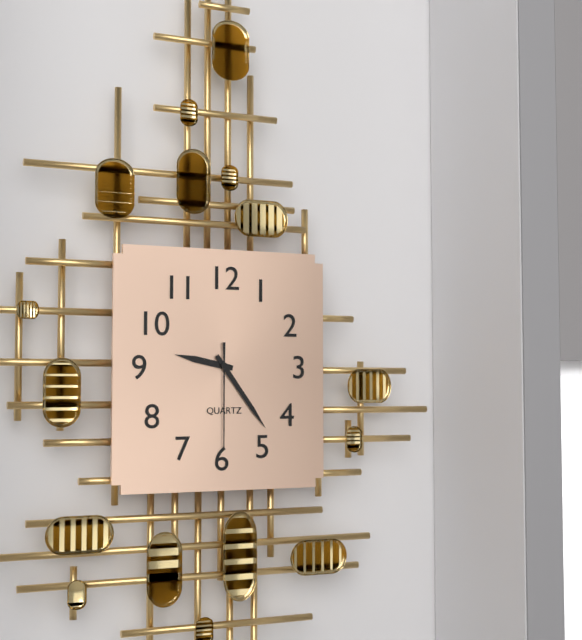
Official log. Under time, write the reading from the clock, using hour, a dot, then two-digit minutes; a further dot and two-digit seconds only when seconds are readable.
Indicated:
9.24.30
